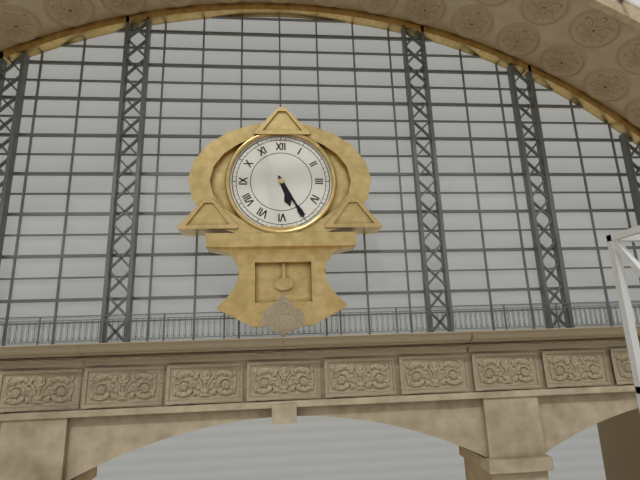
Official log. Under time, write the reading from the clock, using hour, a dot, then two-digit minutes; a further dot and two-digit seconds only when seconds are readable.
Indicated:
5.25
